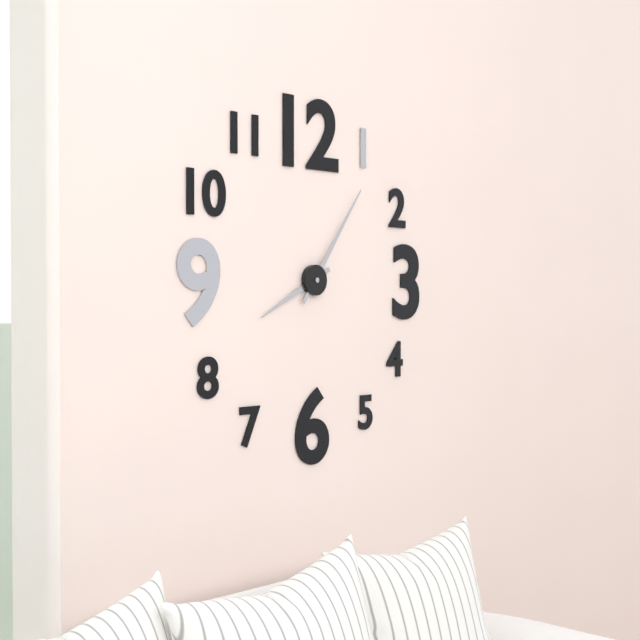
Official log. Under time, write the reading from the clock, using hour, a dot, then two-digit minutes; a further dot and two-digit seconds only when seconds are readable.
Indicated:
8.06
